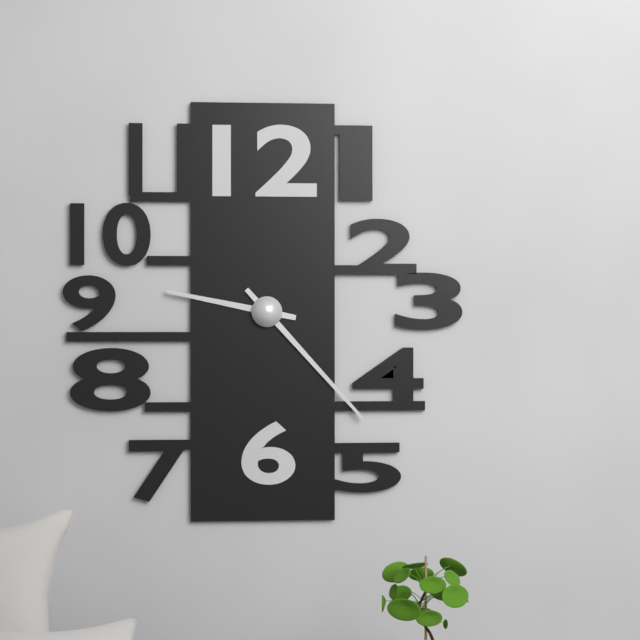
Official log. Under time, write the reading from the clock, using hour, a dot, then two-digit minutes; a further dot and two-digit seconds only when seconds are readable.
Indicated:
9.23
